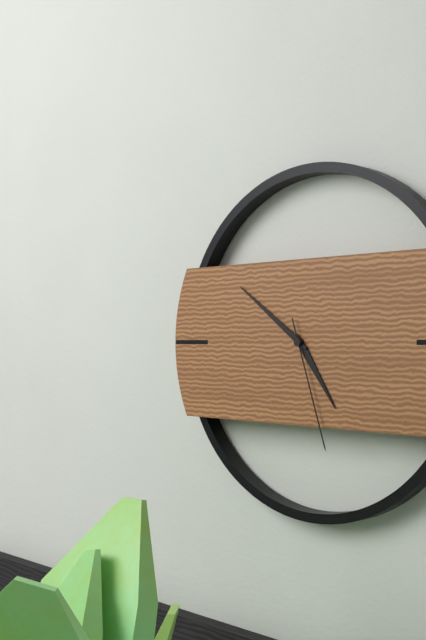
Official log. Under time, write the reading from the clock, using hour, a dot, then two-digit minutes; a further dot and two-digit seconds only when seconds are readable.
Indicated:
4.51.27
